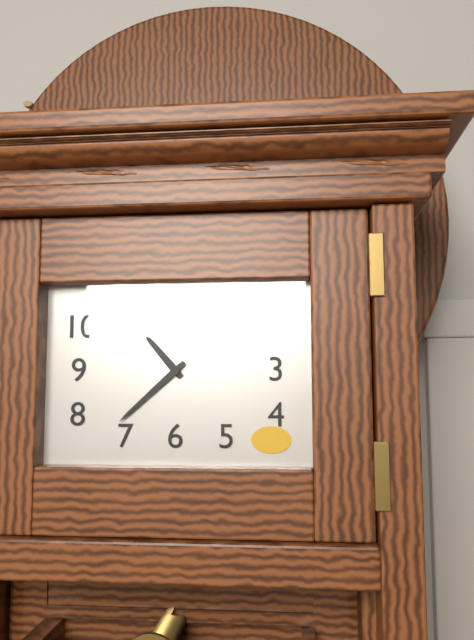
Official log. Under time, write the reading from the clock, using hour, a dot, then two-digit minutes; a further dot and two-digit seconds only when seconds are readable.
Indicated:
10.38
